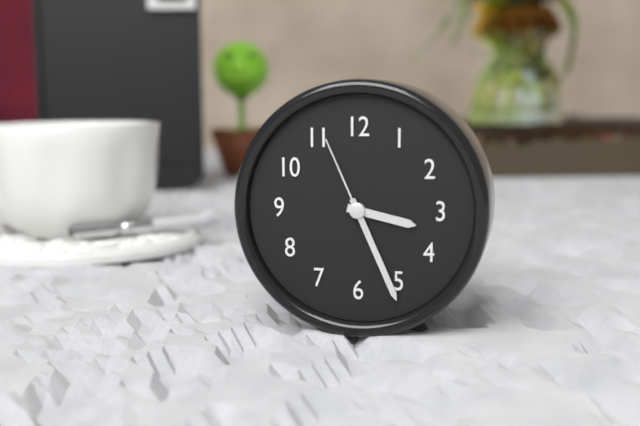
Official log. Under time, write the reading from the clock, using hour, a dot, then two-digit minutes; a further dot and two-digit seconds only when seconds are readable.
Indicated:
3.26.56
